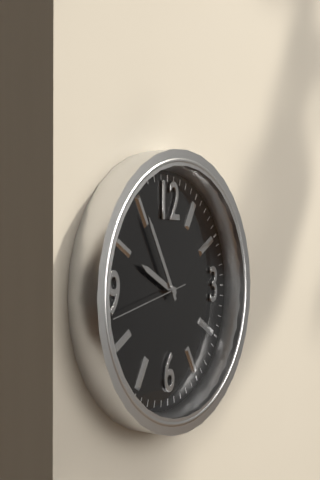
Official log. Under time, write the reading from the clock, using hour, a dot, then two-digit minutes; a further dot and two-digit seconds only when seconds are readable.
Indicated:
9.55.43
